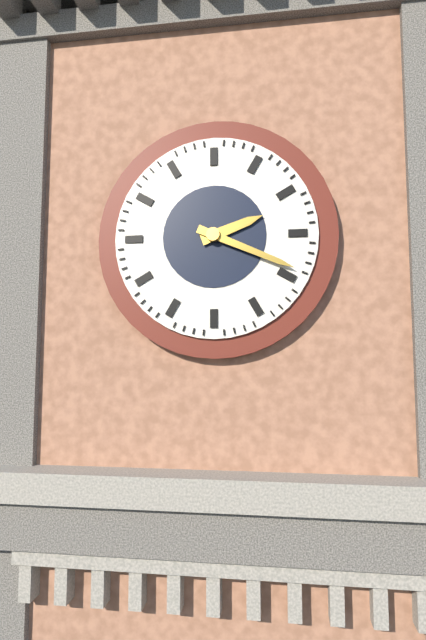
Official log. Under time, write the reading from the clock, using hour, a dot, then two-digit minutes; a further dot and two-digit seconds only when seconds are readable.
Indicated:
2.19
